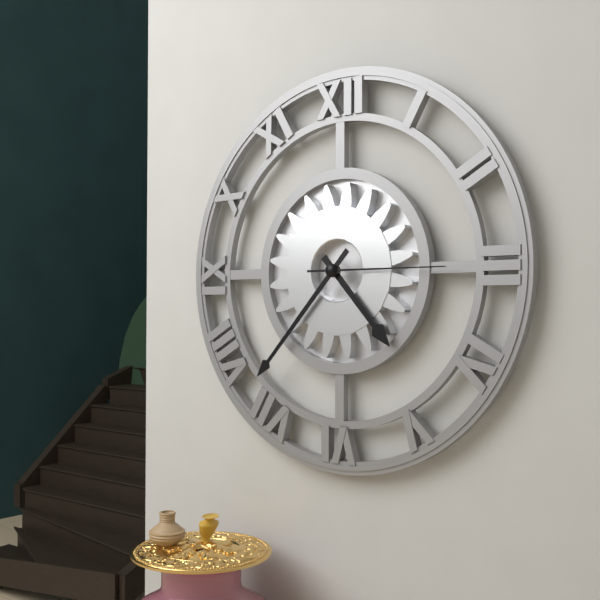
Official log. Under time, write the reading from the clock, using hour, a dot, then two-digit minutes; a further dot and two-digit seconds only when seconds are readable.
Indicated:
4.37.15
